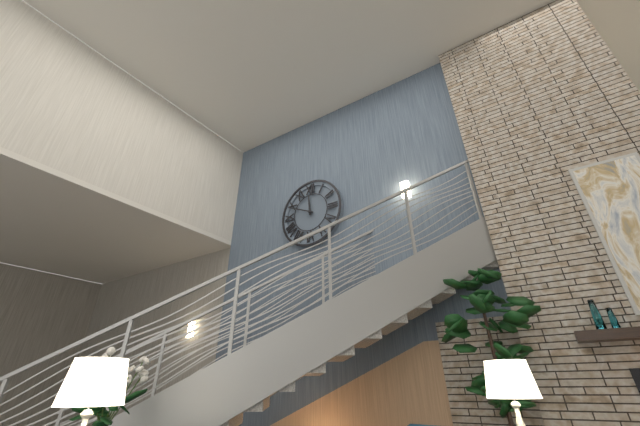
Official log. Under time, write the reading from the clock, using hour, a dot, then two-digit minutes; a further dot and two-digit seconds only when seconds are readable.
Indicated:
11.49
